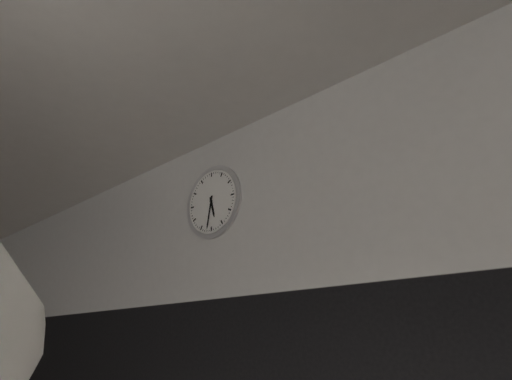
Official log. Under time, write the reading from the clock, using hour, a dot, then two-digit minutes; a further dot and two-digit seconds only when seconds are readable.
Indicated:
5.32
